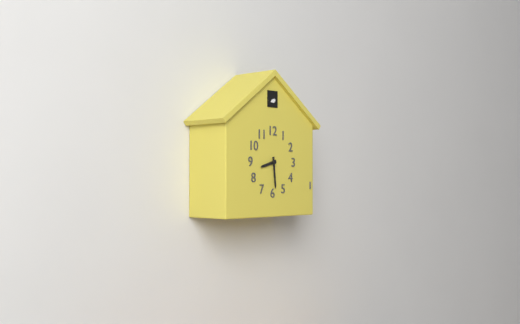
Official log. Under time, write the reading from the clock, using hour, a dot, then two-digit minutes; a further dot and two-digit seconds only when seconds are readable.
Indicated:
8.29
